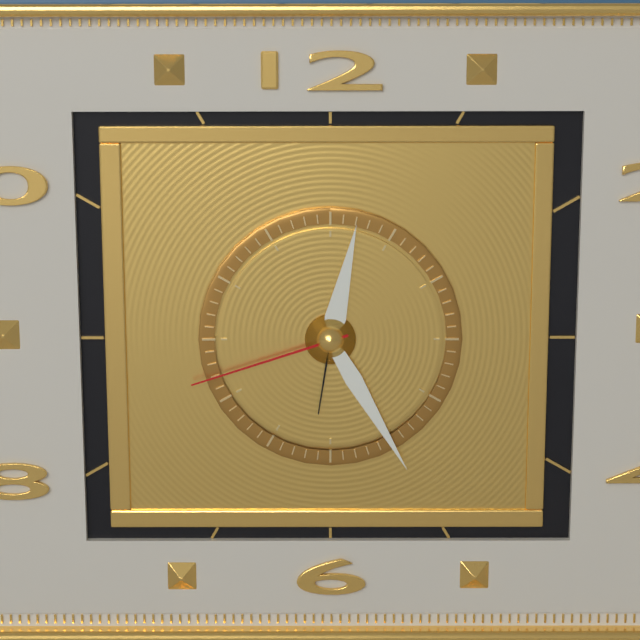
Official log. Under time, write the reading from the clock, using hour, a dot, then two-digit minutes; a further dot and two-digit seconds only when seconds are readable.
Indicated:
12.25.42
